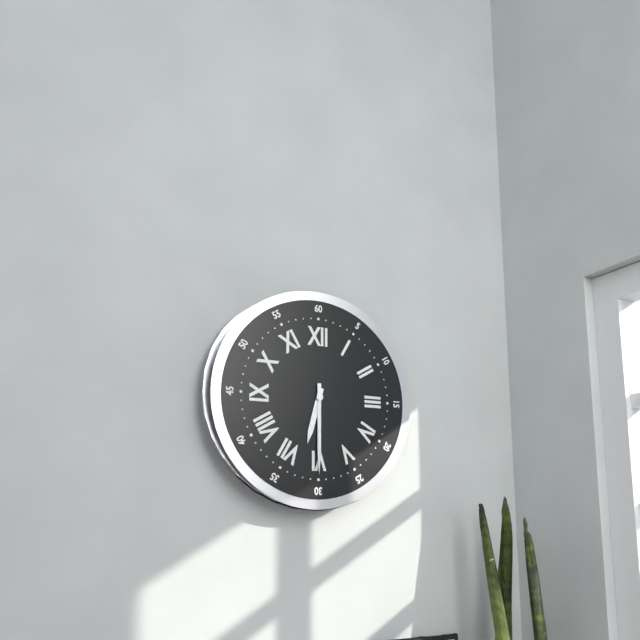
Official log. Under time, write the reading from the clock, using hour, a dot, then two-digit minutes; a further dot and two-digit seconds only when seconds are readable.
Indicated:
6.30
